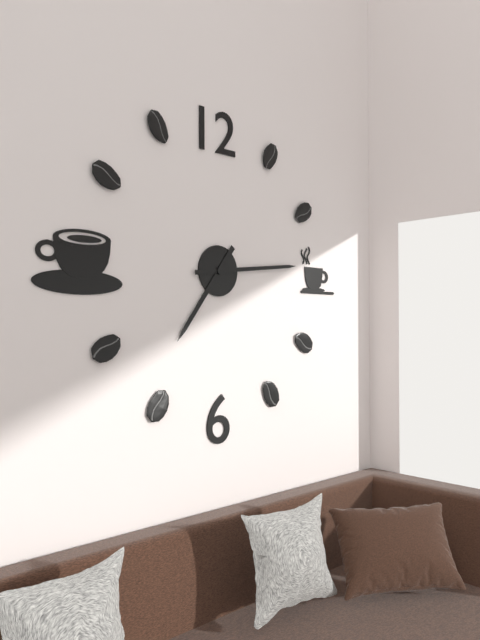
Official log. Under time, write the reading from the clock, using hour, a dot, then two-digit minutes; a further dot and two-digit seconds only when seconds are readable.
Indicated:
7.14
